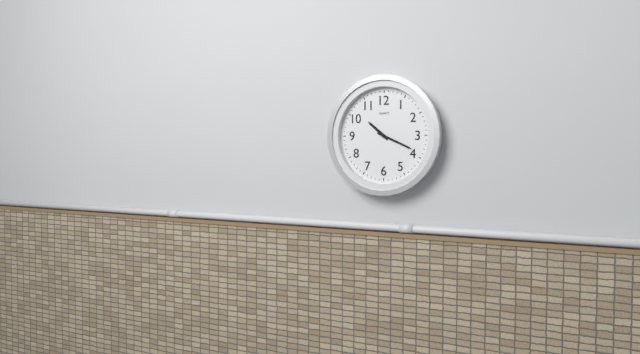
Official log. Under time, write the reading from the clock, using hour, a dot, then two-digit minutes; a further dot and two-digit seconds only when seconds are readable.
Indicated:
10.19
